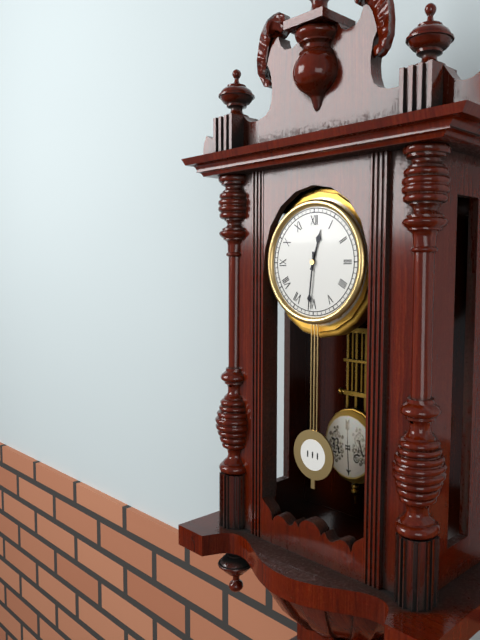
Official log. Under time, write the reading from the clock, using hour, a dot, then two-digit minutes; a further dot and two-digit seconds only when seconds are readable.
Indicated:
12.31
